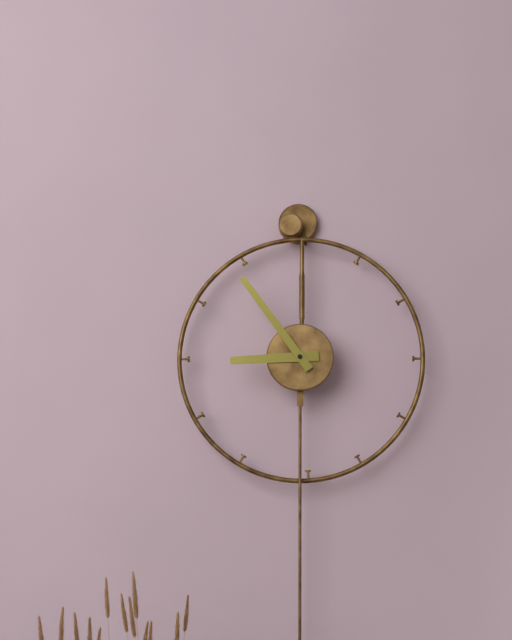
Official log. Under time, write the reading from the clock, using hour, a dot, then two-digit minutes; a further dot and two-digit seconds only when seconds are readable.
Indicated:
8.54
